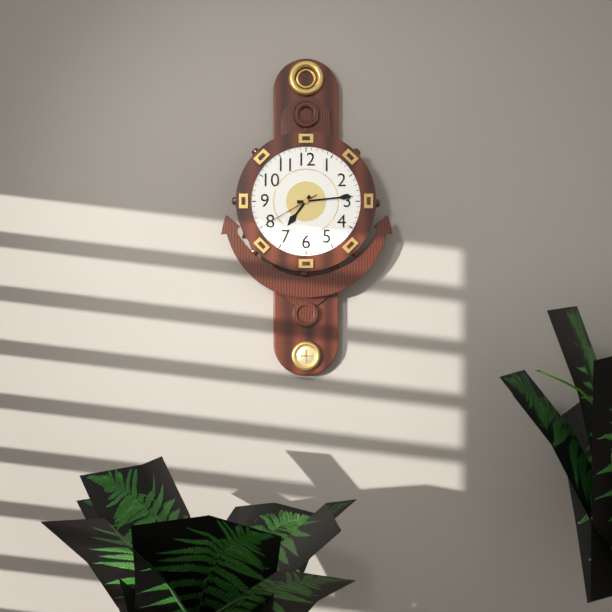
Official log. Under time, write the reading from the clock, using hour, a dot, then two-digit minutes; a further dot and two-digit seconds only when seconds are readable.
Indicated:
7.14.40
